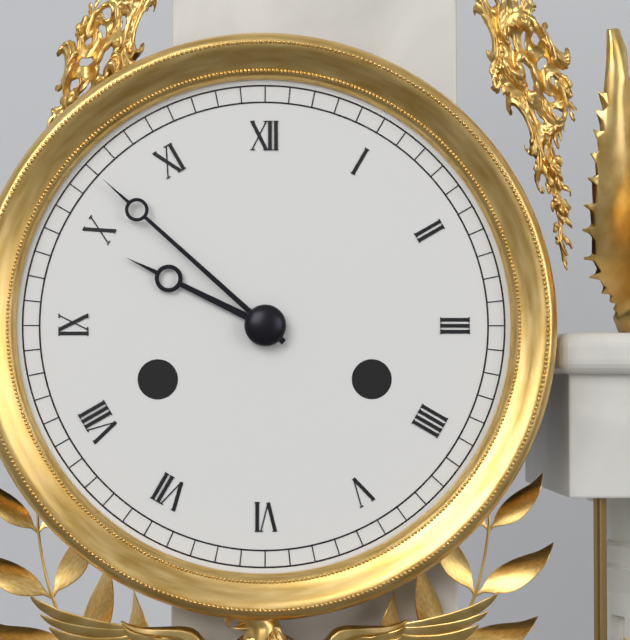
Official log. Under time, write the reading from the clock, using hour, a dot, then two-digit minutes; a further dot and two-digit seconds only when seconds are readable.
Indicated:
9.52
